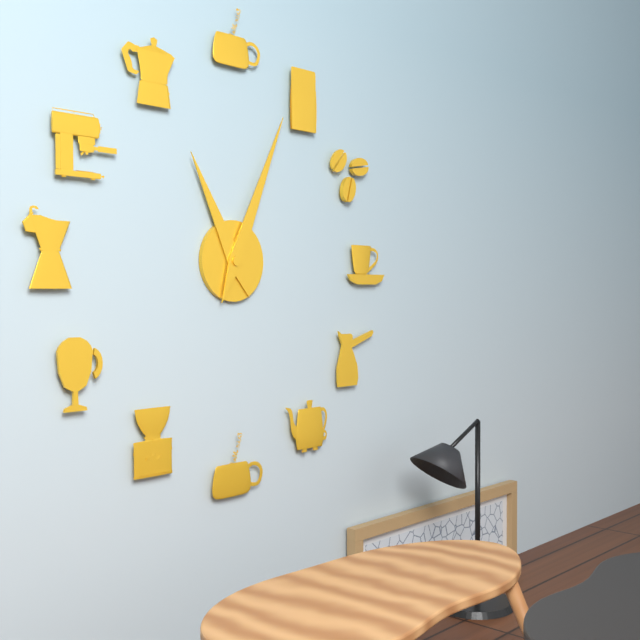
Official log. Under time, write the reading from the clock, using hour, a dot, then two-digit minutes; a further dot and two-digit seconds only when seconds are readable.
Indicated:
11.04
